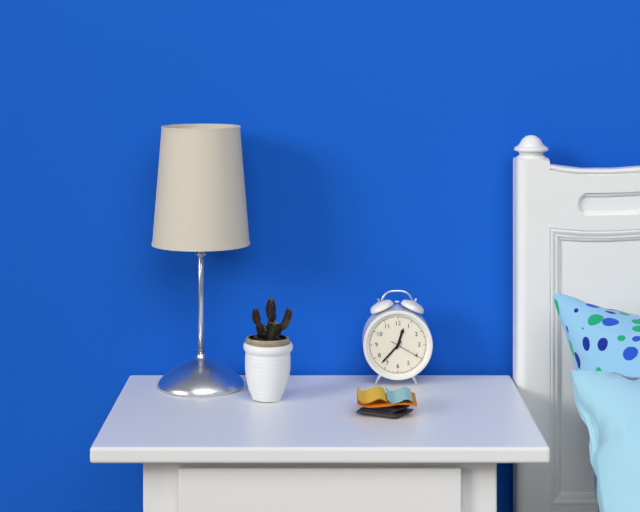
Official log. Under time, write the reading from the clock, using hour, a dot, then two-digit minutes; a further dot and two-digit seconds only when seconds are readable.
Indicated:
12.37
